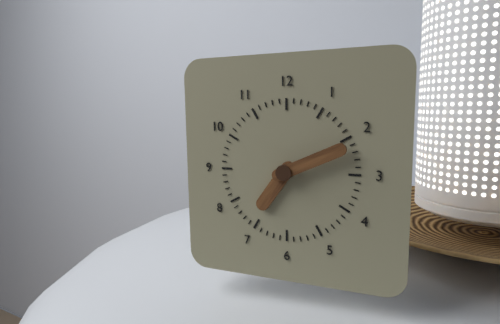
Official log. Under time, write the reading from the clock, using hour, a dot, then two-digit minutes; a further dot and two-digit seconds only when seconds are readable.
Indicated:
7.11
